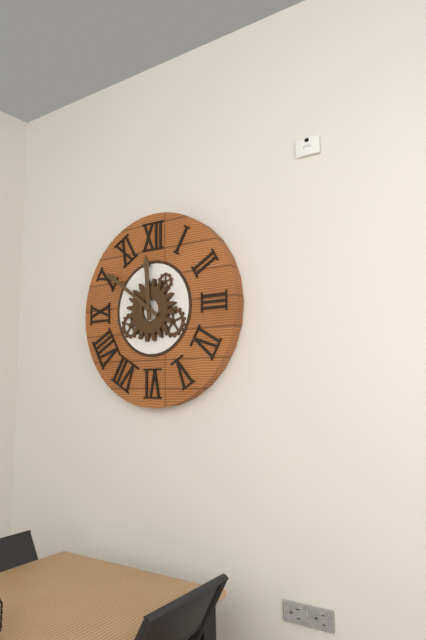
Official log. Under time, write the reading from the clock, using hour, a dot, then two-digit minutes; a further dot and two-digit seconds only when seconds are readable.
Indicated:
11.51
